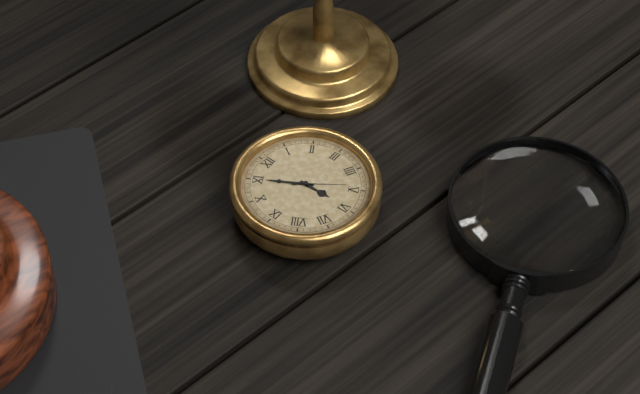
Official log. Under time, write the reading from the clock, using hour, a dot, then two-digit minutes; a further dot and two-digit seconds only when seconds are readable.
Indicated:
5.55.24
